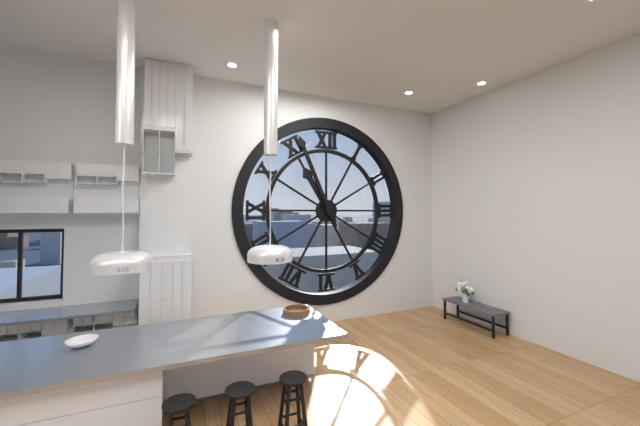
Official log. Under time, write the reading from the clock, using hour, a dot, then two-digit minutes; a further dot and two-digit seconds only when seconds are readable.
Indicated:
10.56
